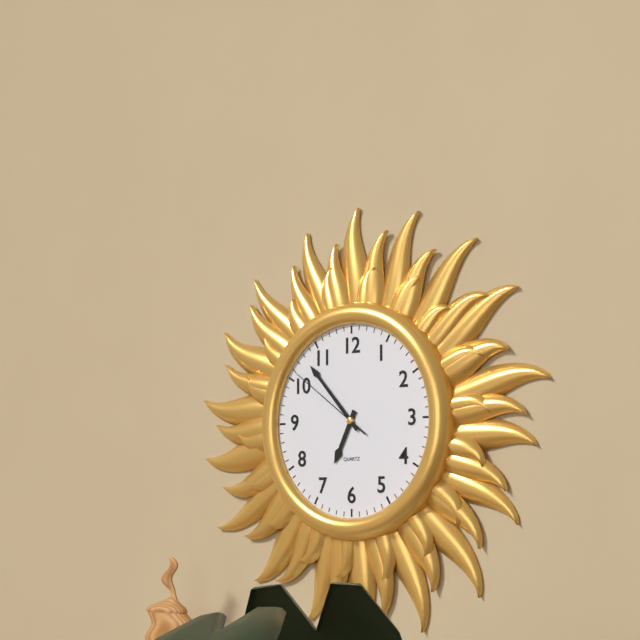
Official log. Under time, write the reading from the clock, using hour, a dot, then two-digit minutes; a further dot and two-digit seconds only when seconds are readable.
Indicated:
6.53.51
